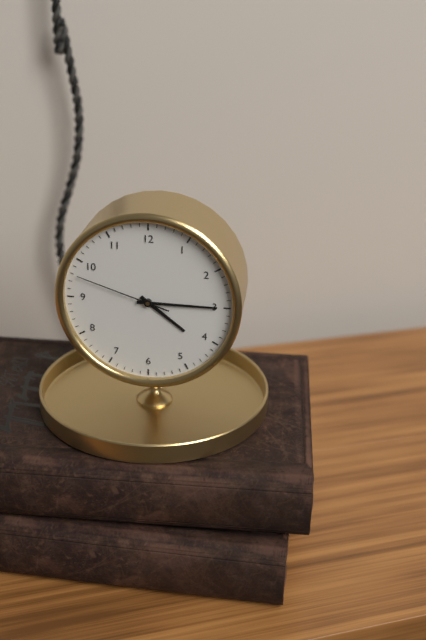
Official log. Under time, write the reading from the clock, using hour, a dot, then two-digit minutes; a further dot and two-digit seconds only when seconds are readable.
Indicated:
4.15.48
